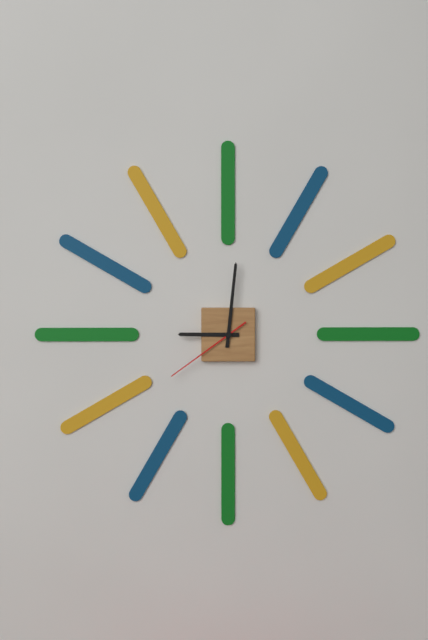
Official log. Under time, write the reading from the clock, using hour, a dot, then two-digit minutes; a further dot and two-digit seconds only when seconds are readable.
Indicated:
9.01.39
